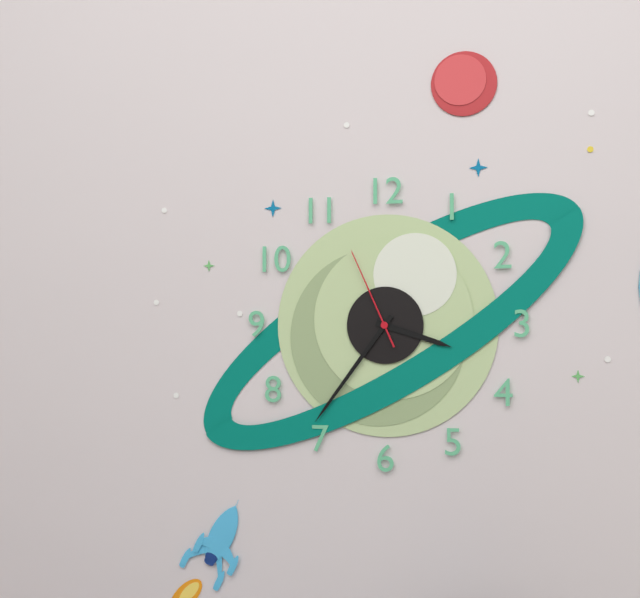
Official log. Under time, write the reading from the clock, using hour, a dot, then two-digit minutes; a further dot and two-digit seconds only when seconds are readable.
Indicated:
3.36.56
